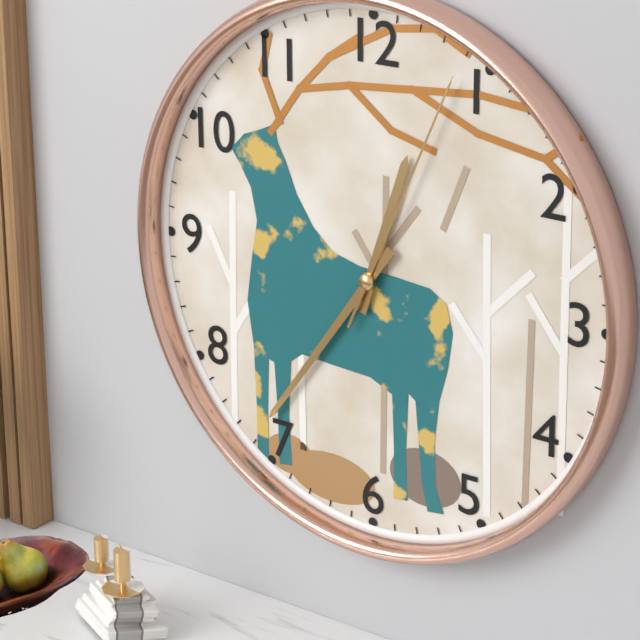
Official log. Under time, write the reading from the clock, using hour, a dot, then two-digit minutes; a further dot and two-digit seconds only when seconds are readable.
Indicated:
12.36.04
